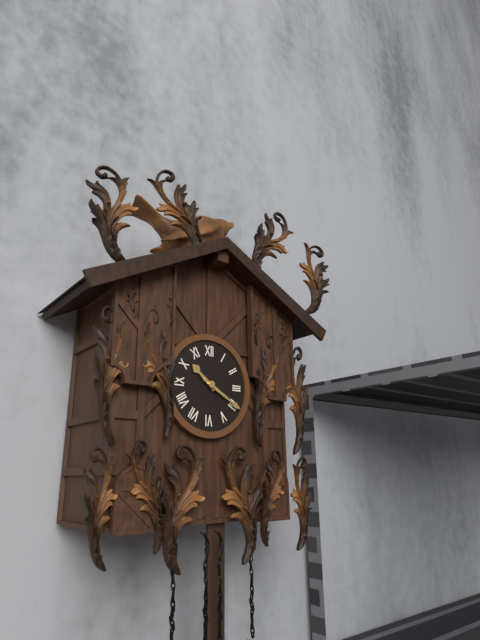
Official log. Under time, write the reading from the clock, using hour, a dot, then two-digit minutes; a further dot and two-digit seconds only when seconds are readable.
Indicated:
10.20
